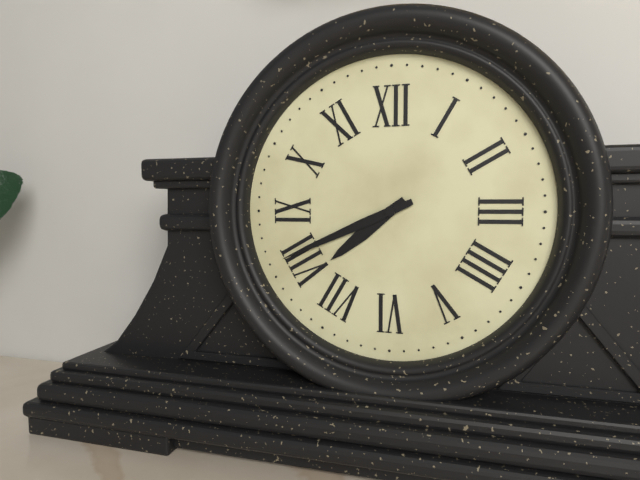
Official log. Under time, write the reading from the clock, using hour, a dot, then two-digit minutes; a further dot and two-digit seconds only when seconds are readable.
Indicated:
7.41
